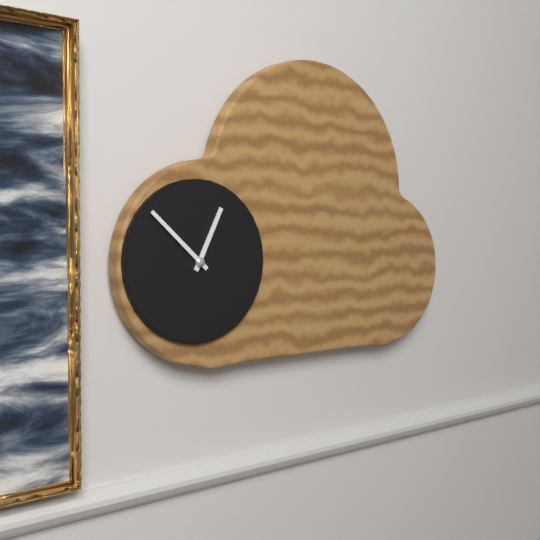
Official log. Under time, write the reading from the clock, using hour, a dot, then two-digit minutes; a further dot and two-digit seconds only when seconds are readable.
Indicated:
12.52
